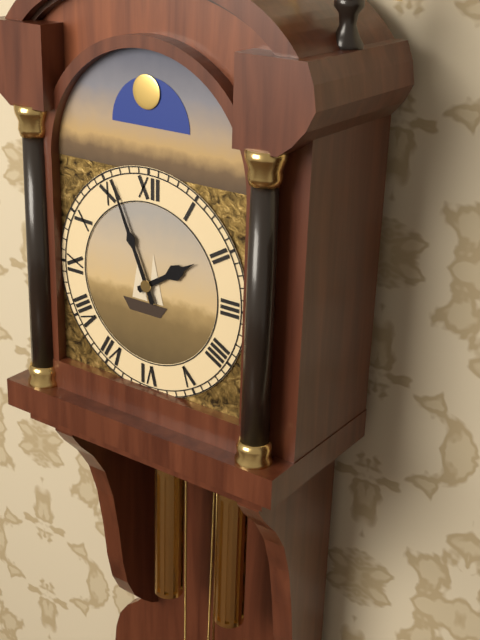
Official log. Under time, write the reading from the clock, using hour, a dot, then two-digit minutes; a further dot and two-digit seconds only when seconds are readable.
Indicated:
1.56
